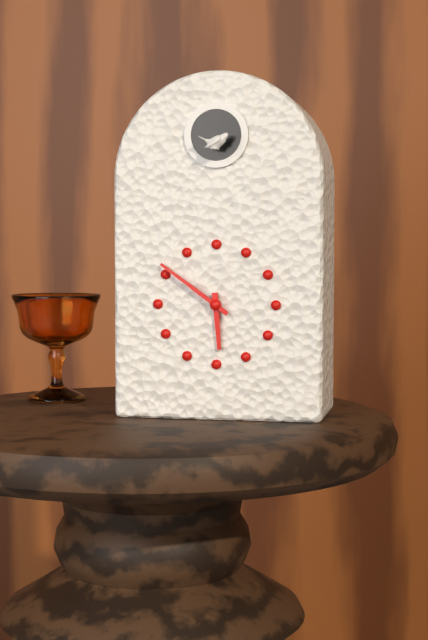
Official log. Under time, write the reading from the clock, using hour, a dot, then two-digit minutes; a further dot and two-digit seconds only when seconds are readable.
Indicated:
5.51
